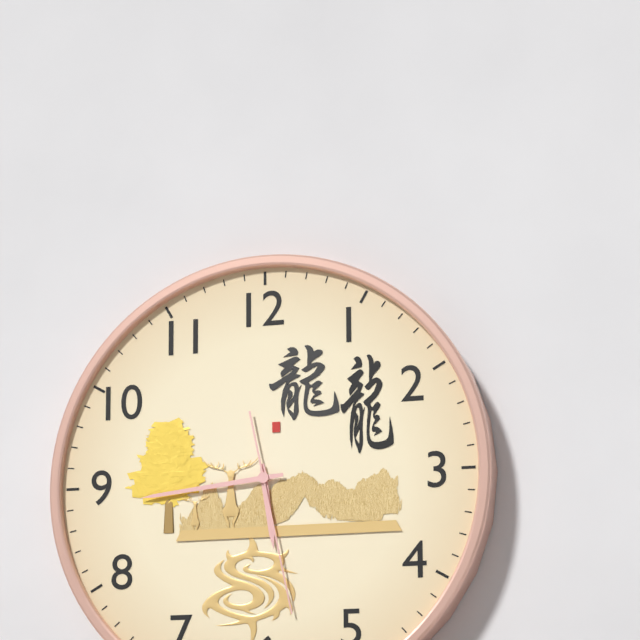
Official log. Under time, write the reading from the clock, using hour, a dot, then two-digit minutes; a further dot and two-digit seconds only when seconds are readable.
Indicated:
5.44.28
